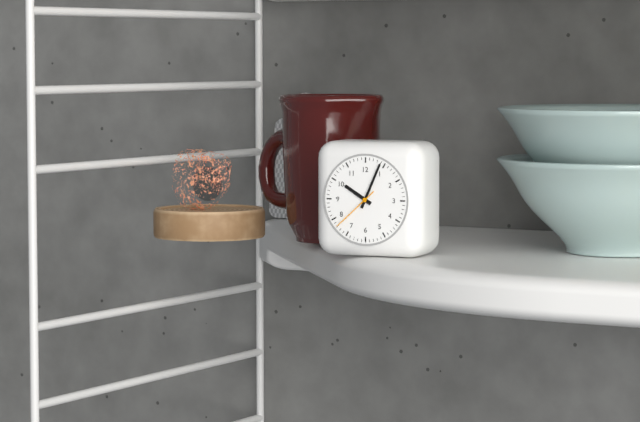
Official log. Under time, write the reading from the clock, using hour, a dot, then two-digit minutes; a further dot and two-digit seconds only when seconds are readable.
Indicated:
10.04
